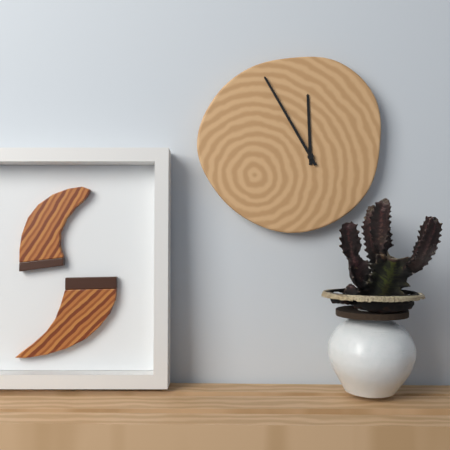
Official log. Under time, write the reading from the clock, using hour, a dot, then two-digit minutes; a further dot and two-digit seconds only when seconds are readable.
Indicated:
11.55
